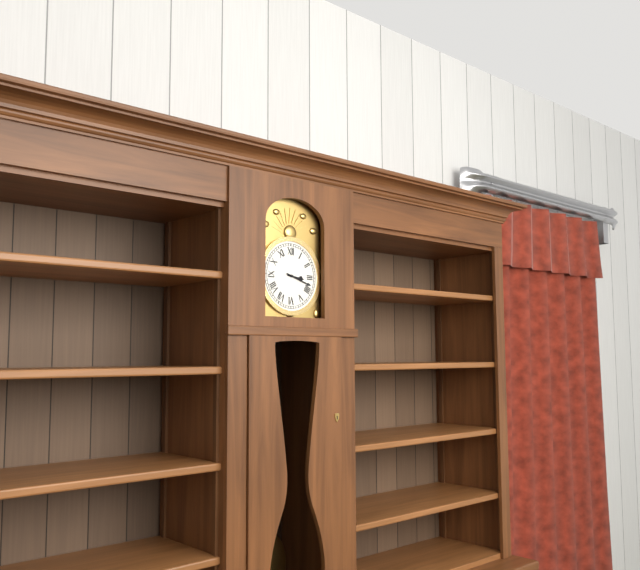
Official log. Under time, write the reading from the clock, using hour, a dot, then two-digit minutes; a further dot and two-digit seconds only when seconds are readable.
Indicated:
3.18
